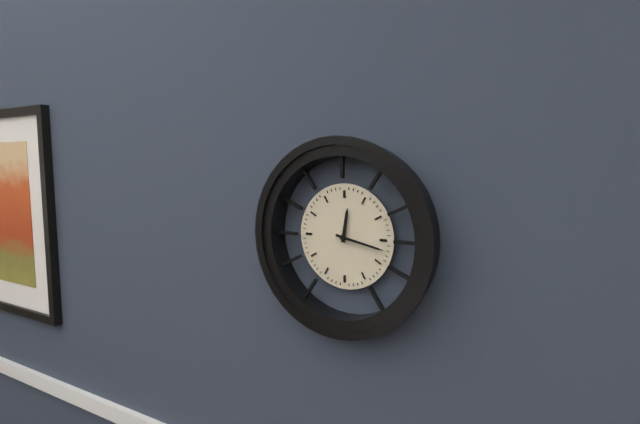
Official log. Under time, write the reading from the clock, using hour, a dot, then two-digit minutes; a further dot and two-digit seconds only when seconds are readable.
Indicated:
12.17
